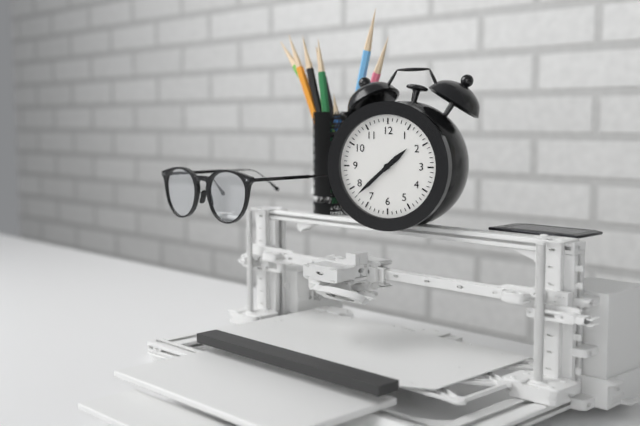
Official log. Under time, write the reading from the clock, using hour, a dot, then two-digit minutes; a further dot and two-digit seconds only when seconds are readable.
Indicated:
1.38
